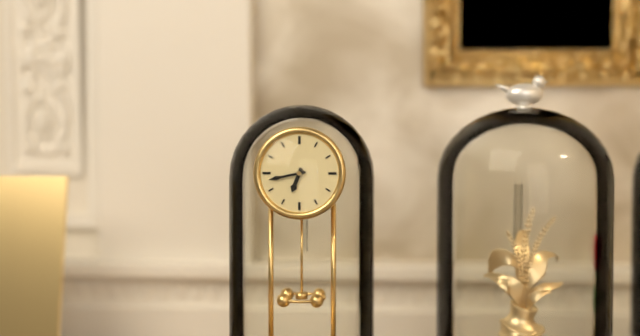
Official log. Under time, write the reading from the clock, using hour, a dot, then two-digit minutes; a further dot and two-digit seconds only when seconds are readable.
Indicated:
6.43
